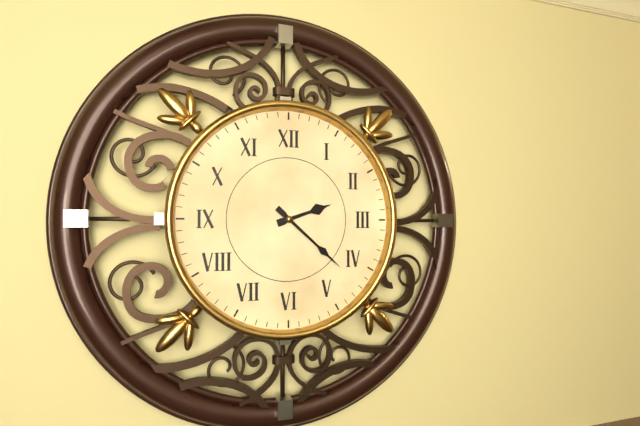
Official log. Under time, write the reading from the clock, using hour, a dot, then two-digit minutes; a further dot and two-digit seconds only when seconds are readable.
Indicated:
2.22
